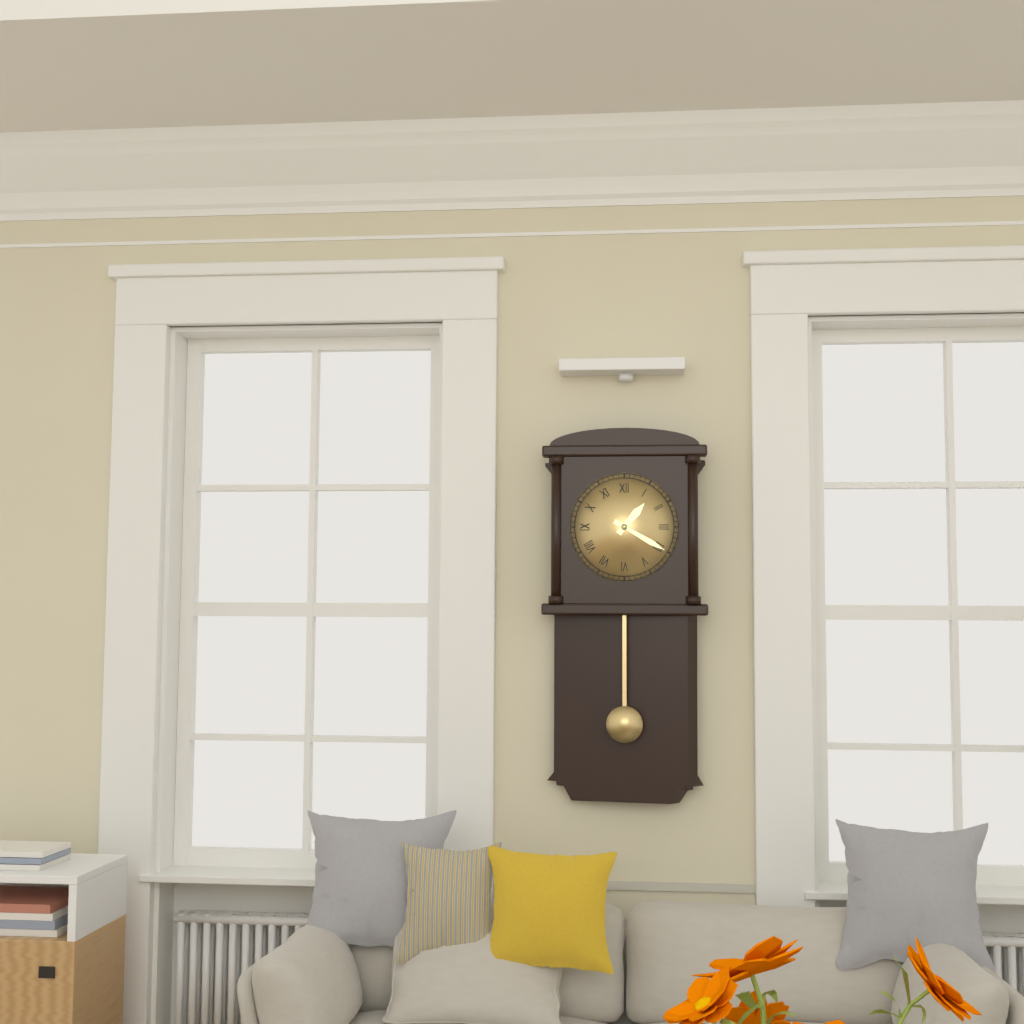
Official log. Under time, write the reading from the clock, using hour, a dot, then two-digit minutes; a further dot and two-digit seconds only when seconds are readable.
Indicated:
1.20
